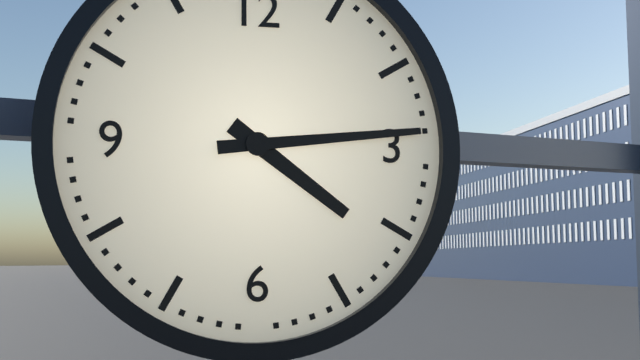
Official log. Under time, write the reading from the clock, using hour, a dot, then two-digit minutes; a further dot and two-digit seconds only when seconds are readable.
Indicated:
4.14
